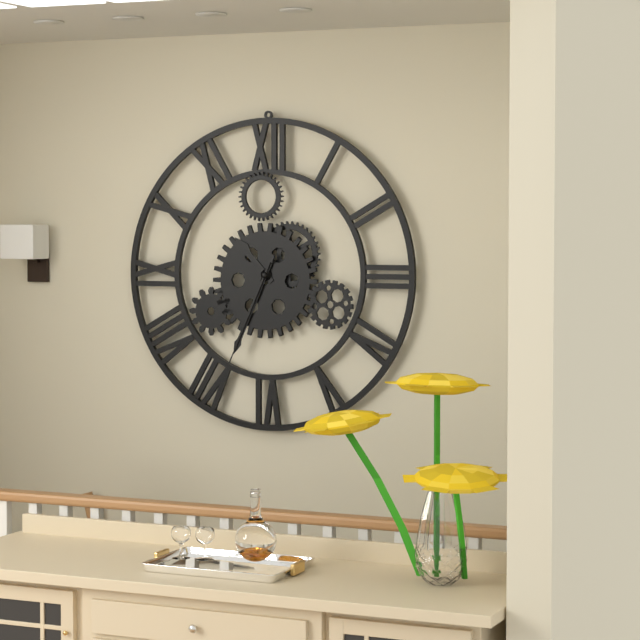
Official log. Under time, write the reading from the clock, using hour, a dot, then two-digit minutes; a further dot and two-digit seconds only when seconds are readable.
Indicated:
10.34.34
